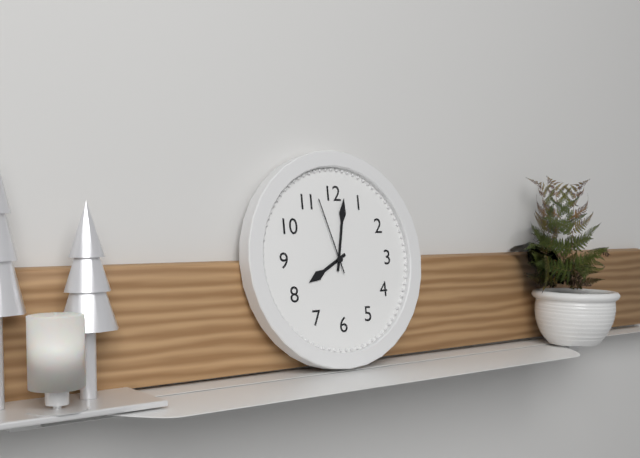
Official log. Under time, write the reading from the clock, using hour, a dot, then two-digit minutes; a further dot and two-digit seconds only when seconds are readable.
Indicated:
8.02.57
